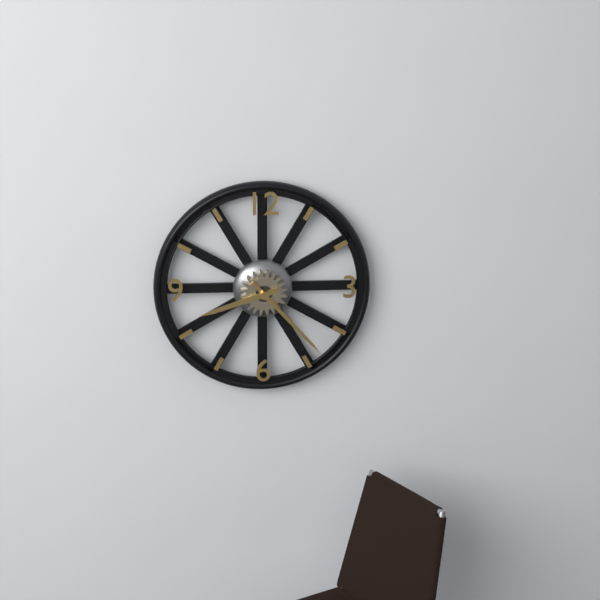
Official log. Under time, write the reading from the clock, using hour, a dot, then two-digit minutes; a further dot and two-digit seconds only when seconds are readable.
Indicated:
8.23
